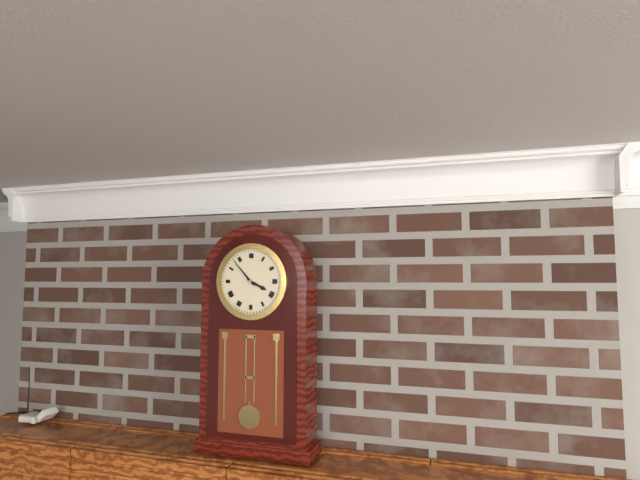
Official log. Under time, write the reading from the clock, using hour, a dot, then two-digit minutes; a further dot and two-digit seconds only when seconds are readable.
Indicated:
3.53
